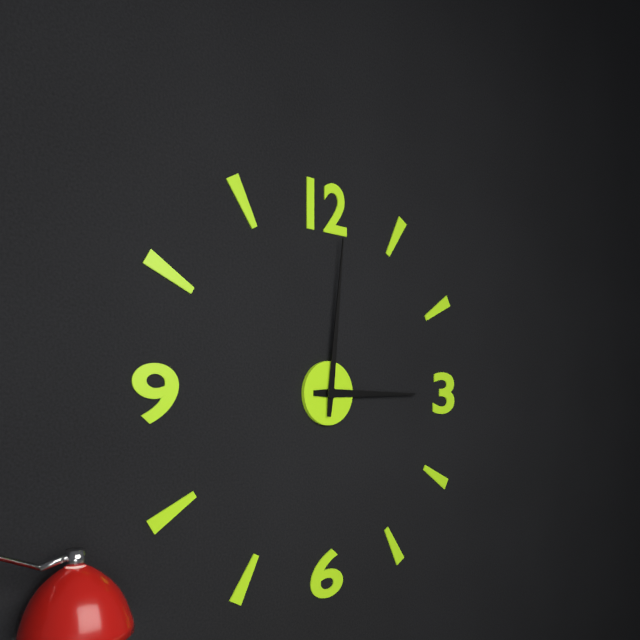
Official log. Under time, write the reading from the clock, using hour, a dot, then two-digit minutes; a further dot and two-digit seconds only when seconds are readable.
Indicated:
3.01
